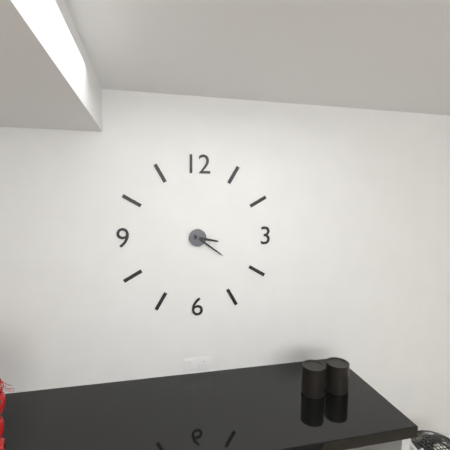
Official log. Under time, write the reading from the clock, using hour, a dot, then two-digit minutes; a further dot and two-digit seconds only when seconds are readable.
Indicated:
3.21
